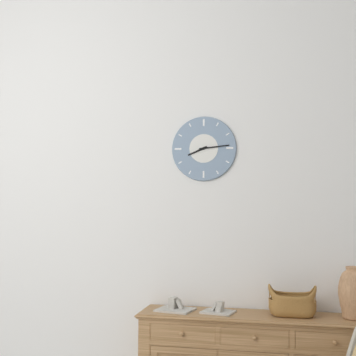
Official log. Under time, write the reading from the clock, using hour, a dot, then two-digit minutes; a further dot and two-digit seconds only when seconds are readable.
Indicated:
8.14
